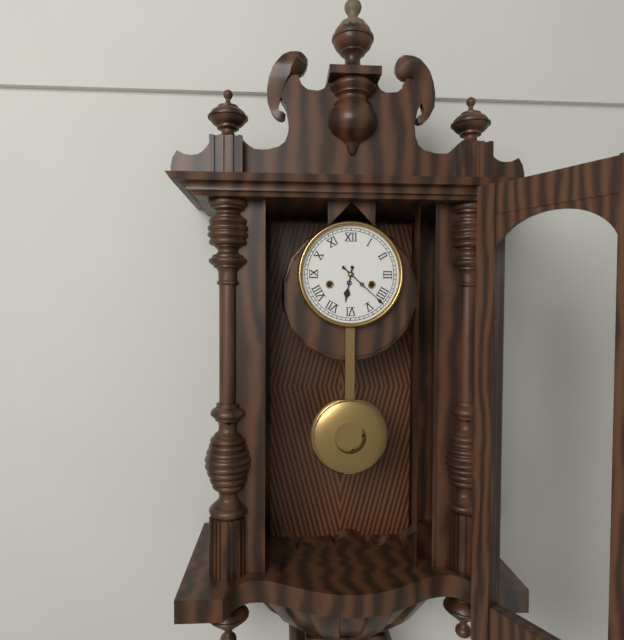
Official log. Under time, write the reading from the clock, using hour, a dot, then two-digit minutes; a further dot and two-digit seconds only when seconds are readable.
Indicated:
6.22
